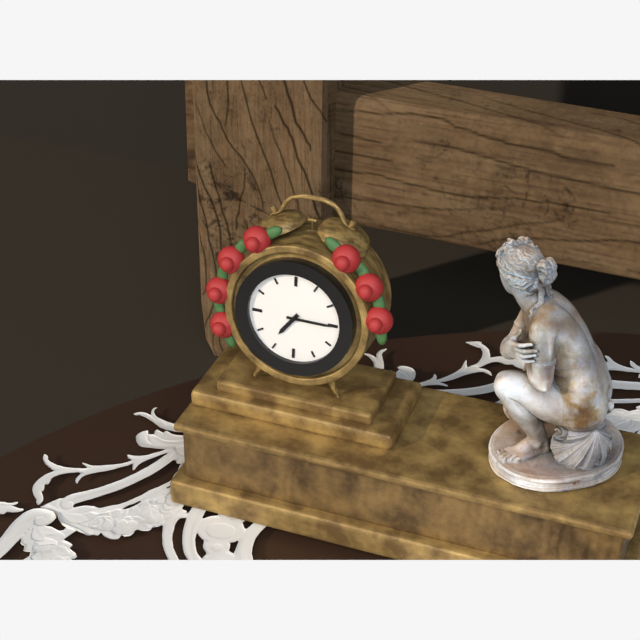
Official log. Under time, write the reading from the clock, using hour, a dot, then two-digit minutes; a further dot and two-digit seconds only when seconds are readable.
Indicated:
7.15
